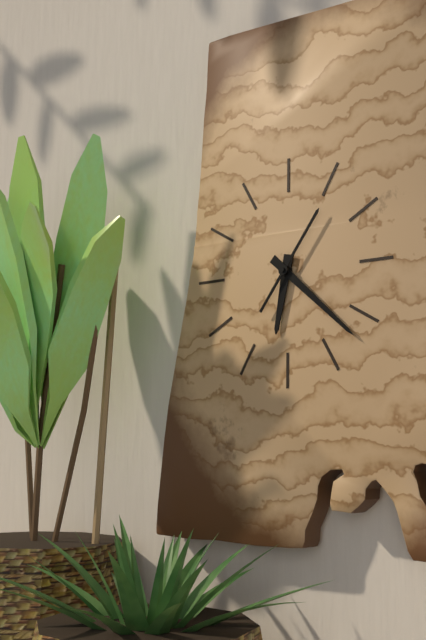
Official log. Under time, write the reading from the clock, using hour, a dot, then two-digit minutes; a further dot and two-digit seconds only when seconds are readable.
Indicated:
6.22.06
